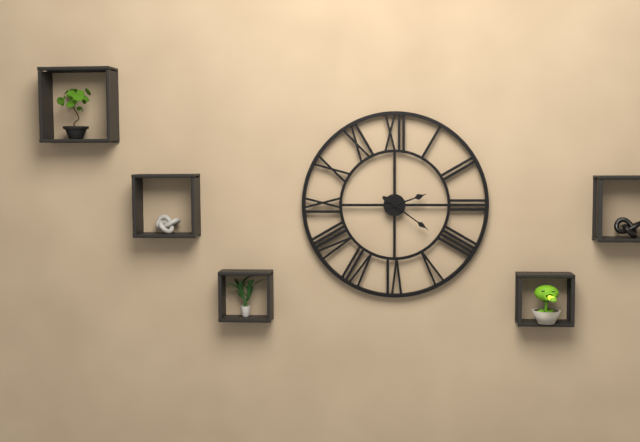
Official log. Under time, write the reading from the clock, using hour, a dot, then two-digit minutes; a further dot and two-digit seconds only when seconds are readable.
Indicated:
2.21
